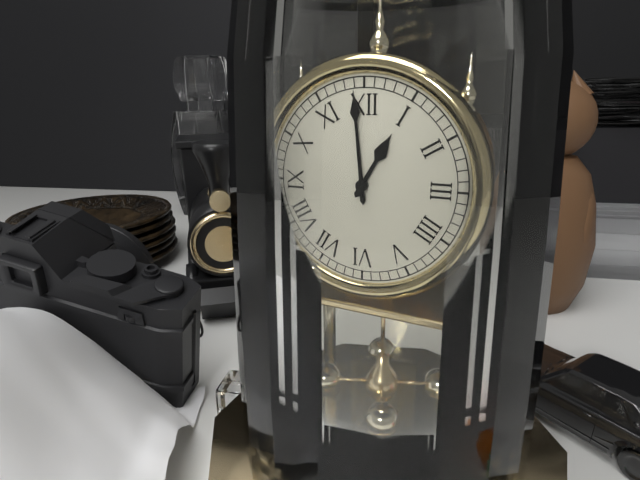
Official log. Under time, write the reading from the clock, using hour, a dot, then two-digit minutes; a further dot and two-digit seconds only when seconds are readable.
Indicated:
12.59
